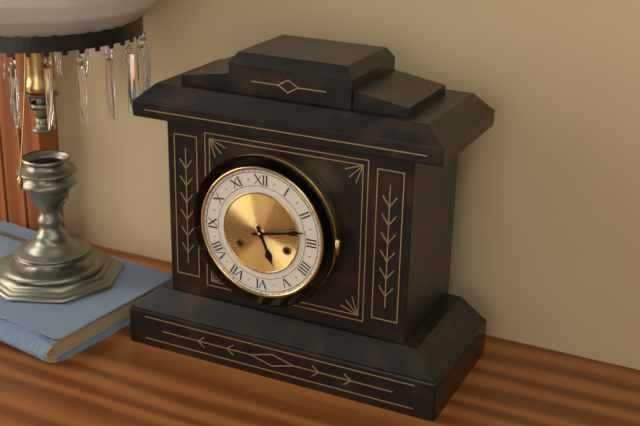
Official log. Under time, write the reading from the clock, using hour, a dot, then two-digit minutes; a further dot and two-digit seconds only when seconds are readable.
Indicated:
5.13
